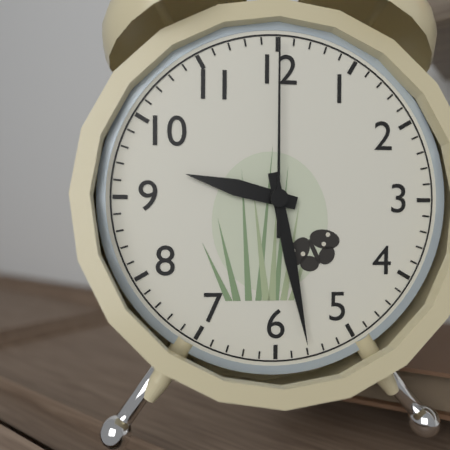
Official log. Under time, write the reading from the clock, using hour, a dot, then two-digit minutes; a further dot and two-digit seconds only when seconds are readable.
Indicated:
9.28.00
